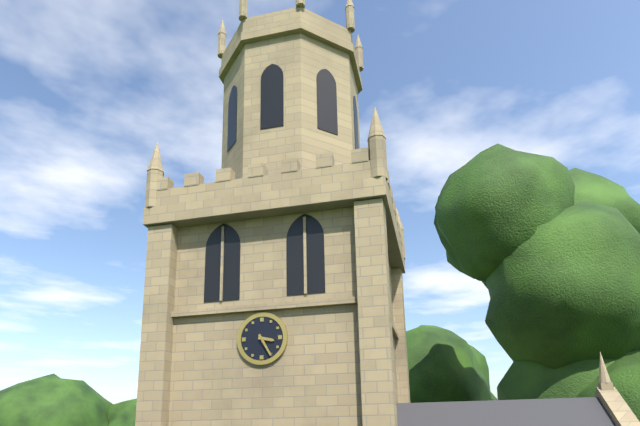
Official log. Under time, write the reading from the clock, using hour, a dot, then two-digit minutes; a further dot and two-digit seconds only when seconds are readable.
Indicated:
3.25
